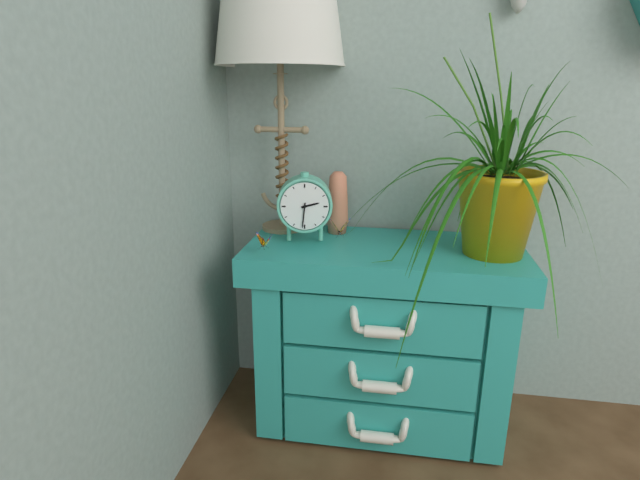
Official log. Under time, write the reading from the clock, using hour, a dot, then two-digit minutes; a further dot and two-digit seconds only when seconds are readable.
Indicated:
2.31
